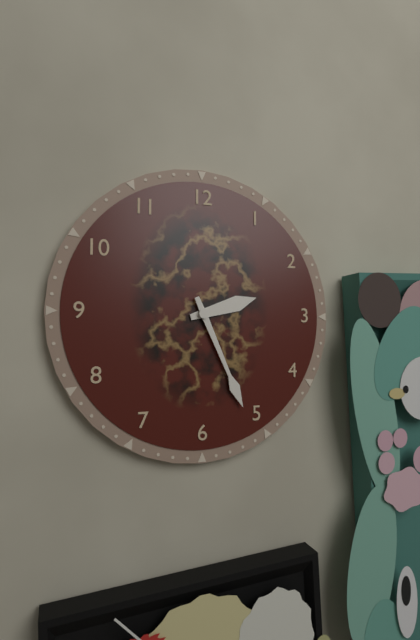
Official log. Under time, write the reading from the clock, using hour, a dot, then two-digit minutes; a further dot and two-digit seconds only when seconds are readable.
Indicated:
2.26
